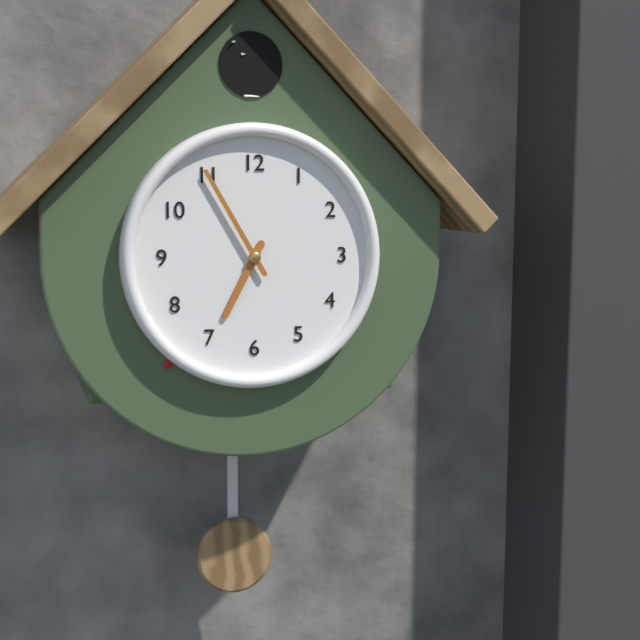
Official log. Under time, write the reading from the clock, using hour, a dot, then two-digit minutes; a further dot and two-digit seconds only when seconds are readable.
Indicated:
6.55
